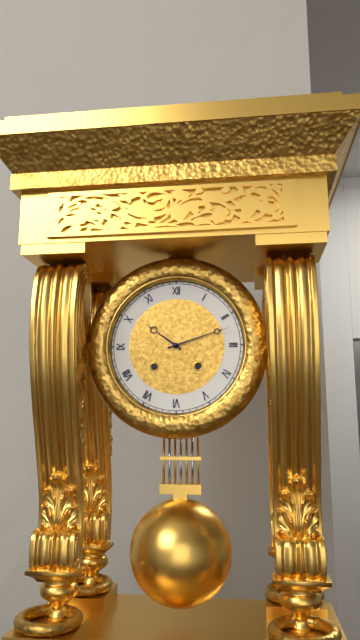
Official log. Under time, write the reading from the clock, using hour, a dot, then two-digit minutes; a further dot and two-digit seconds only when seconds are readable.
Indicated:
10.12
